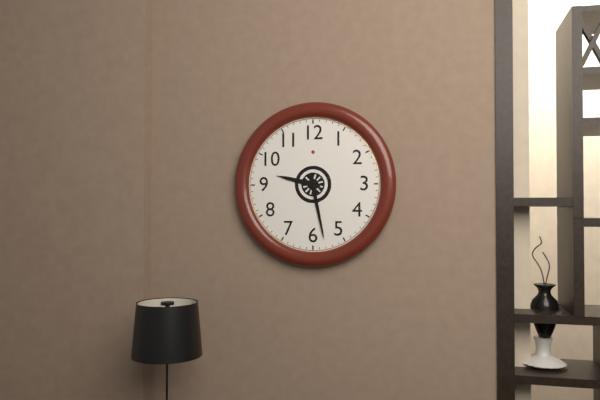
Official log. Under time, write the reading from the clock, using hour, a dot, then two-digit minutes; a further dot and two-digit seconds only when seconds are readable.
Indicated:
9.28
